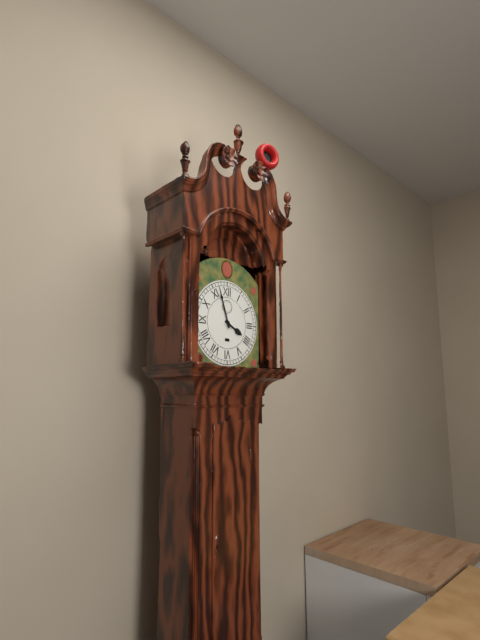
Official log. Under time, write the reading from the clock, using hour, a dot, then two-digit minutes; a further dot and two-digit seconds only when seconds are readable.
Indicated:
3.57
